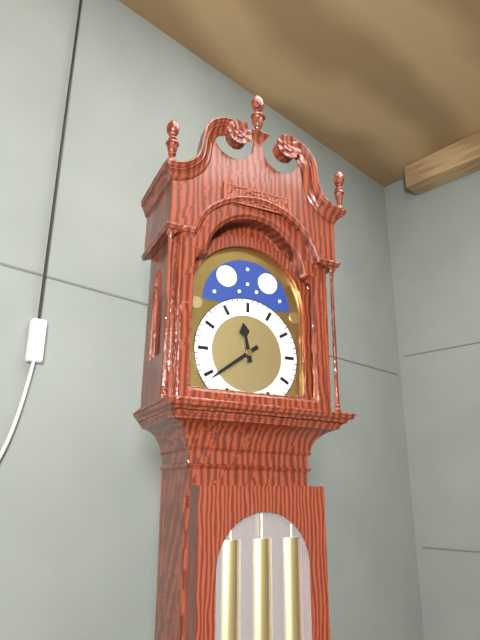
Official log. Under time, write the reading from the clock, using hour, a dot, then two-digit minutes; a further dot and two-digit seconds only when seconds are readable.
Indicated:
11.39
